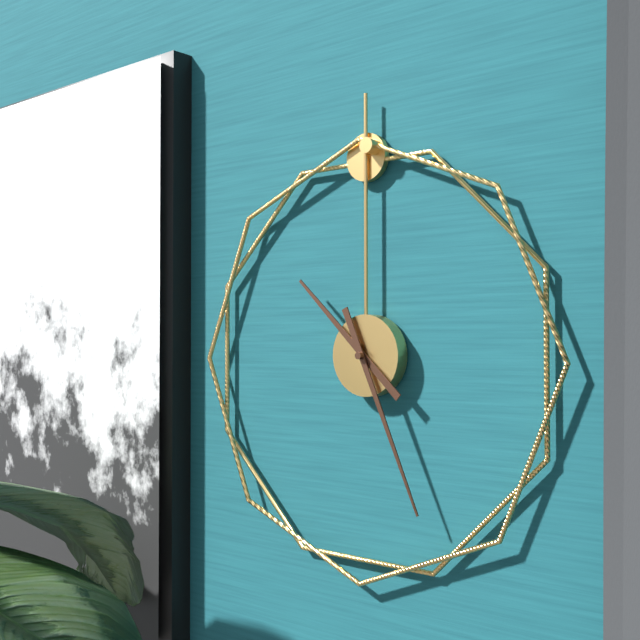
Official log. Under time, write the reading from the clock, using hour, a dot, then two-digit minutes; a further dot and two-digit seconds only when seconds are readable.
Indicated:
10.26
